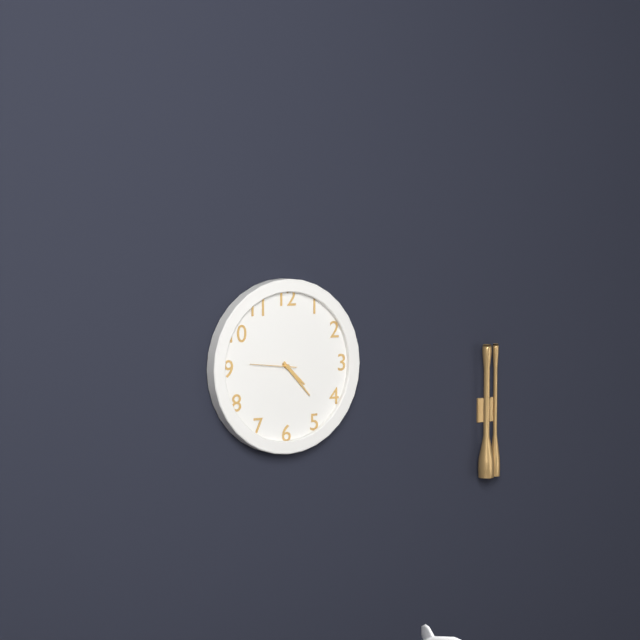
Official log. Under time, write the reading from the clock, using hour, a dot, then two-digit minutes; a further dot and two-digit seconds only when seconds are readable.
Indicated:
4.23
